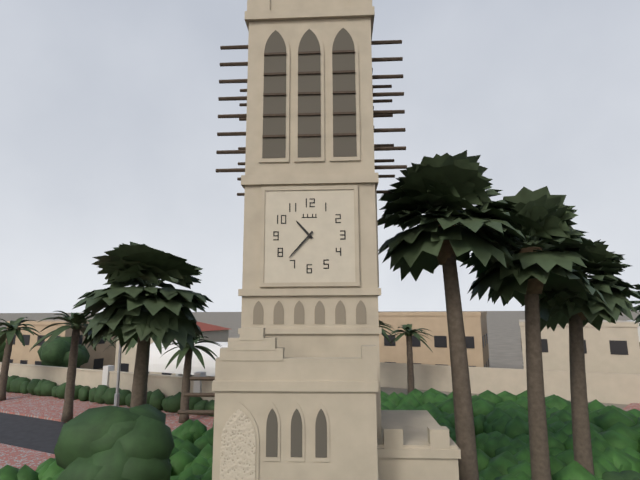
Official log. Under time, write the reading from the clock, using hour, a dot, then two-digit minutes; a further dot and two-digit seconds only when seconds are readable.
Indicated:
10.37
